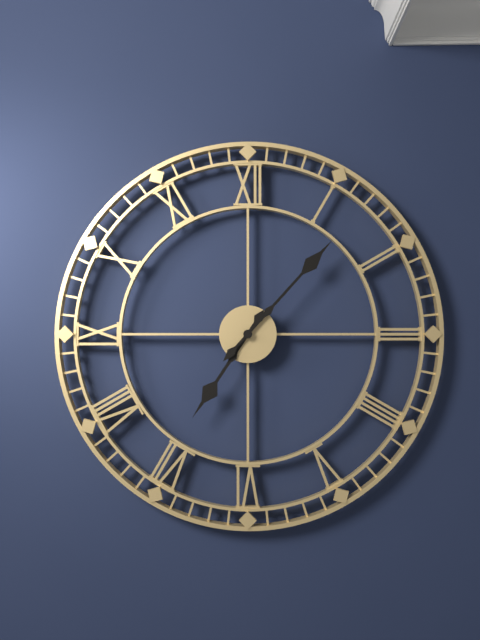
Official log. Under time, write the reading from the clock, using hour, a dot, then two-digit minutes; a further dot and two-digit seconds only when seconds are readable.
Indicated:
7.07
